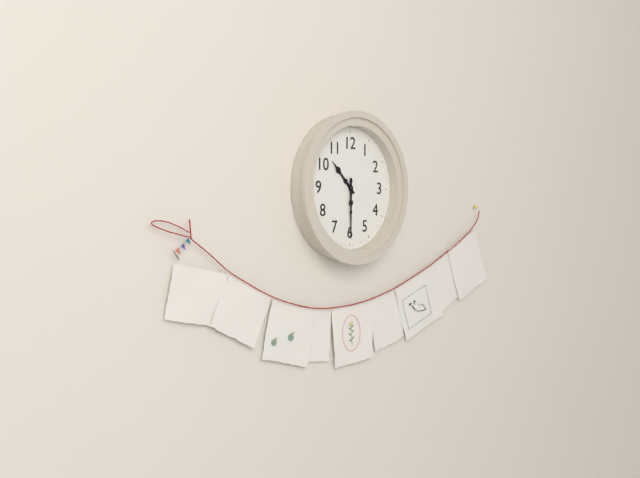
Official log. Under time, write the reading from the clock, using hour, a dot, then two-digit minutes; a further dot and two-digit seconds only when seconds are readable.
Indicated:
10.30
